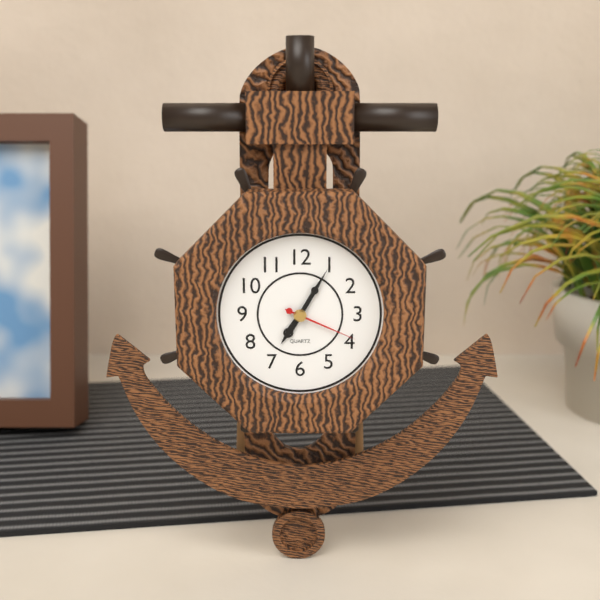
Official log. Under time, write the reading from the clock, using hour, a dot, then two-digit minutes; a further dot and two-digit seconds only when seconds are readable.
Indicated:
7.05.19
